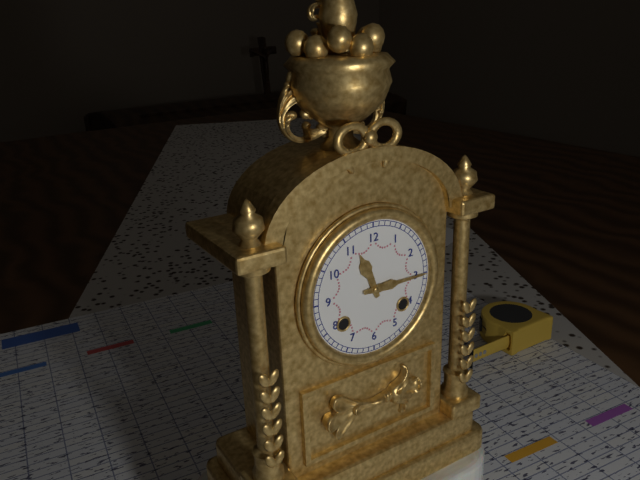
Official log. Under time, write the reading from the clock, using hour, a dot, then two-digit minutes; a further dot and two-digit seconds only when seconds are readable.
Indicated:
11.15
